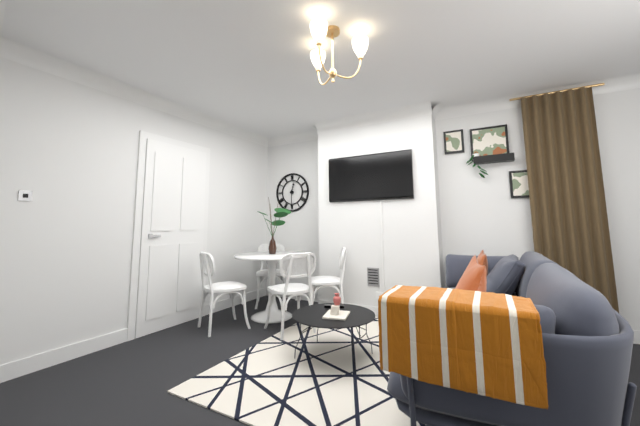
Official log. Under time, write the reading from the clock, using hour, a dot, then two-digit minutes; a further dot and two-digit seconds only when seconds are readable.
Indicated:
12.30
